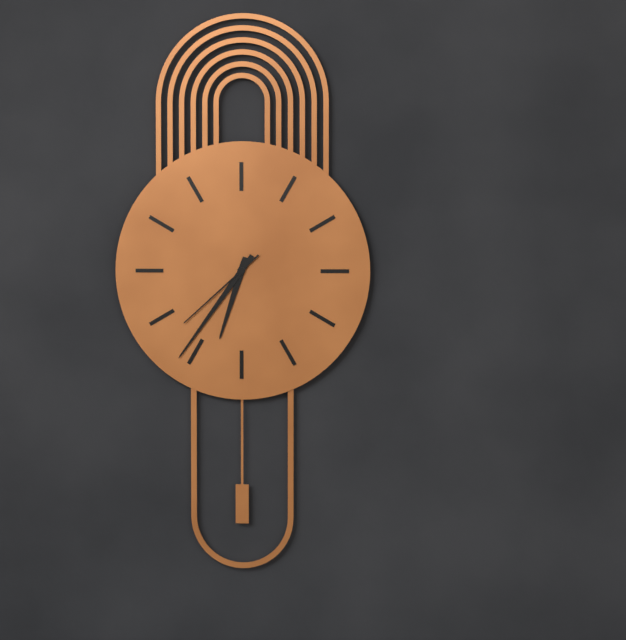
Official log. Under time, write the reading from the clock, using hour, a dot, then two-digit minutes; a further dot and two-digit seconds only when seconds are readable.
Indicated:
6.36.38
